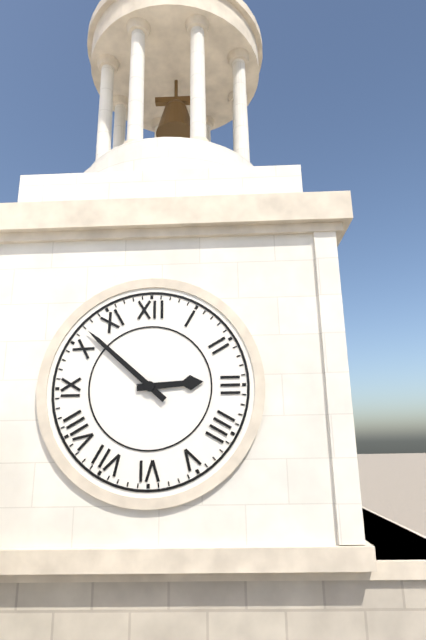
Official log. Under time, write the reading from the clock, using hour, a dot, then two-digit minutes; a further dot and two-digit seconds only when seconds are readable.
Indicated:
2.52
